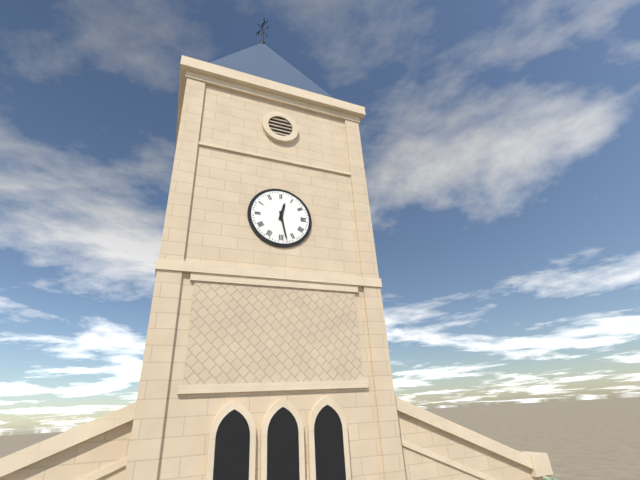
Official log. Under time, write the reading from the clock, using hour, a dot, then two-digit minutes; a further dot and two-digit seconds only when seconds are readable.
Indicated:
12.28
